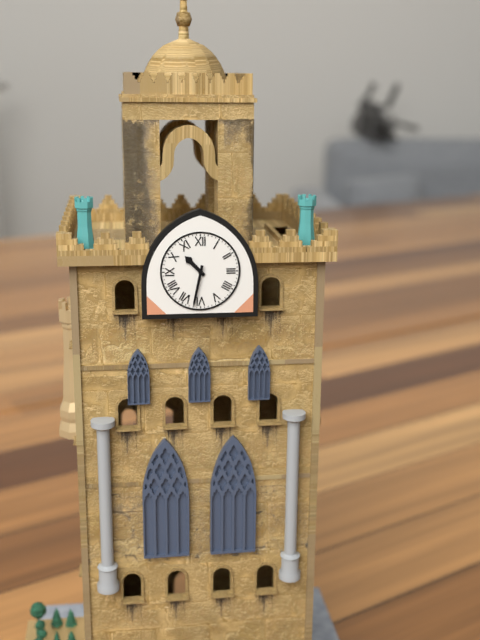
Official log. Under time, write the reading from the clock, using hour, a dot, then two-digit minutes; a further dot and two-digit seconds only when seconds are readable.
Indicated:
10.32
